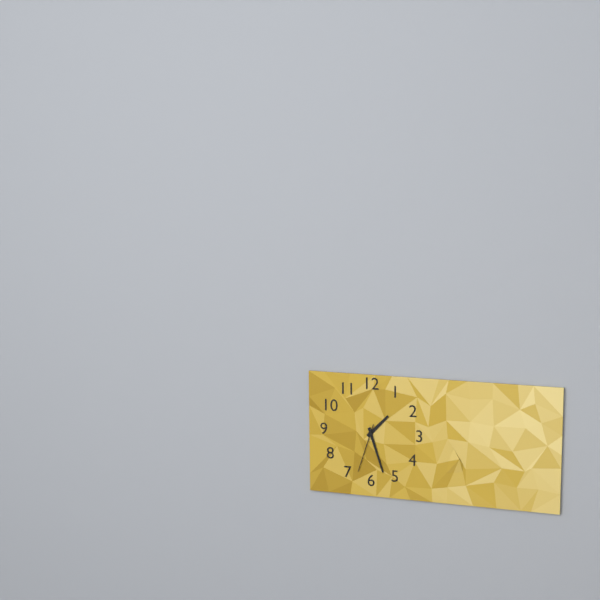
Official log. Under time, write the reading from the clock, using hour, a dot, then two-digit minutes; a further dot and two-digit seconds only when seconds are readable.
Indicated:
1.27.33
